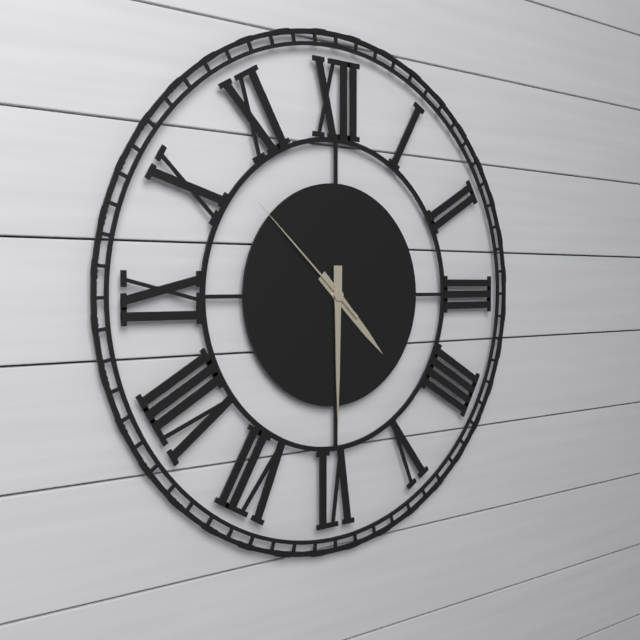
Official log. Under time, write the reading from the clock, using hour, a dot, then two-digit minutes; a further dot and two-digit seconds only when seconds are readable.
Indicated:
4.30.52
